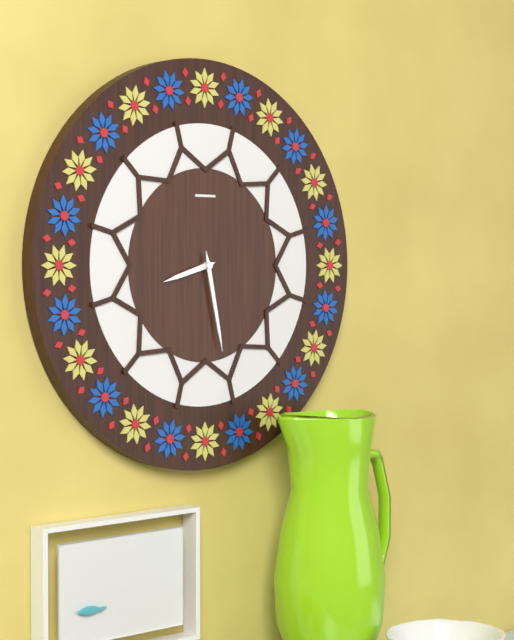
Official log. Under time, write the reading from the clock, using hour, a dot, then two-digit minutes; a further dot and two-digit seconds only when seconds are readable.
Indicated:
8.28
